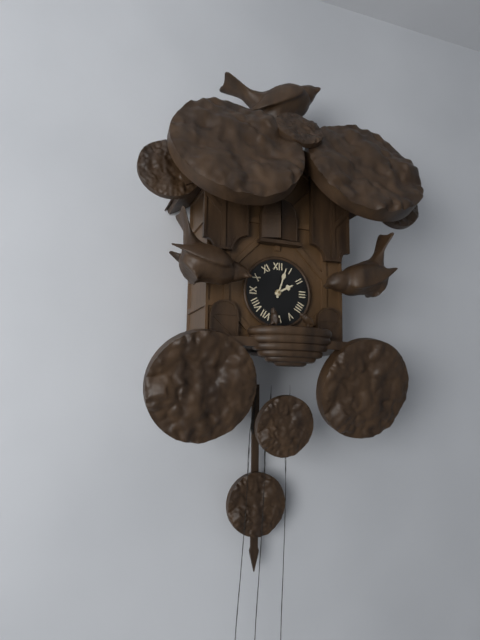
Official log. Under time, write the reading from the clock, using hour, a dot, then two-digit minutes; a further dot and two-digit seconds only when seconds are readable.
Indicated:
2.03
